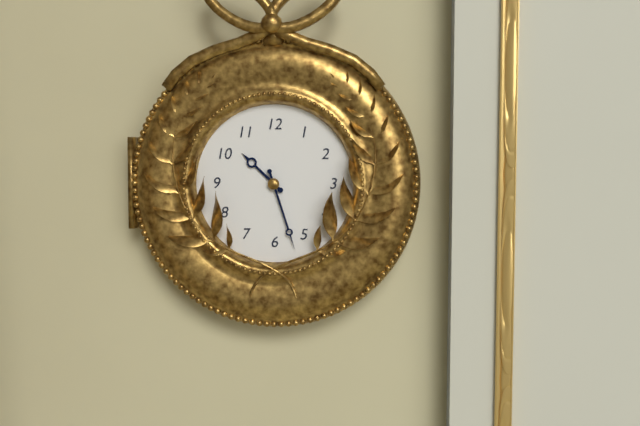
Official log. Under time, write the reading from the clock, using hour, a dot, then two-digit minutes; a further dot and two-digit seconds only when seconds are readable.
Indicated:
10.27
